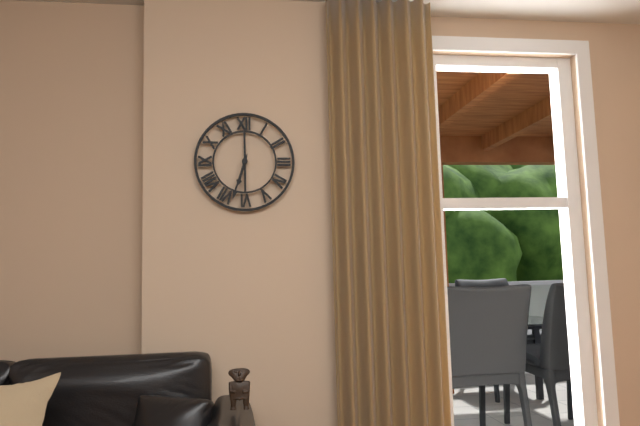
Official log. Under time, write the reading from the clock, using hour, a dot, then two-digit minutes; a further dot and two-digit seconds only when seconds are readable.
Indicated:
6.33
